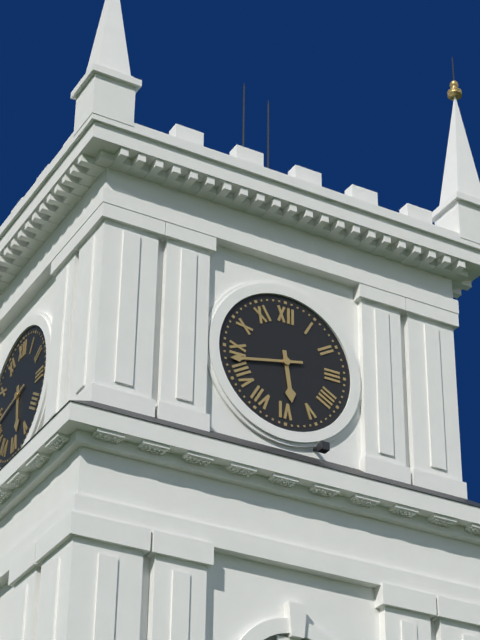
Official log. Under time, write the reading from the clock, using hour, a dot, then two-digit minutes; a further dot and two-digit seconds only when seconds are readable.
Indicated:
5.43
